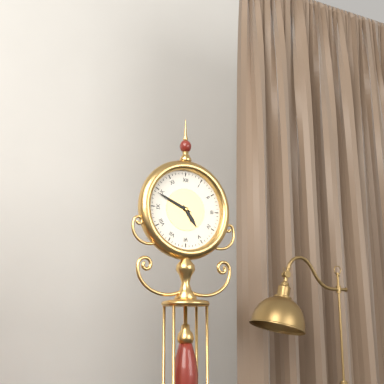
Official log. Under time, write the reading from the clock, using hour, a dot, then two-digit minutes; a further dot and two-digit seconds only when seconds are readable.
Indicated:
4.49
